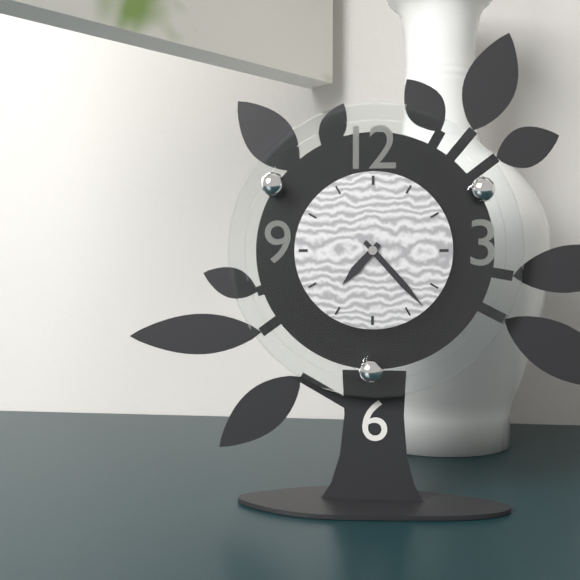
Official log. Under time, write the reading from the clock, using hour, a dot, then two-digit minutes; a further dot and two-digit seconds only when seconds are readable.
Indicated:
7.23
